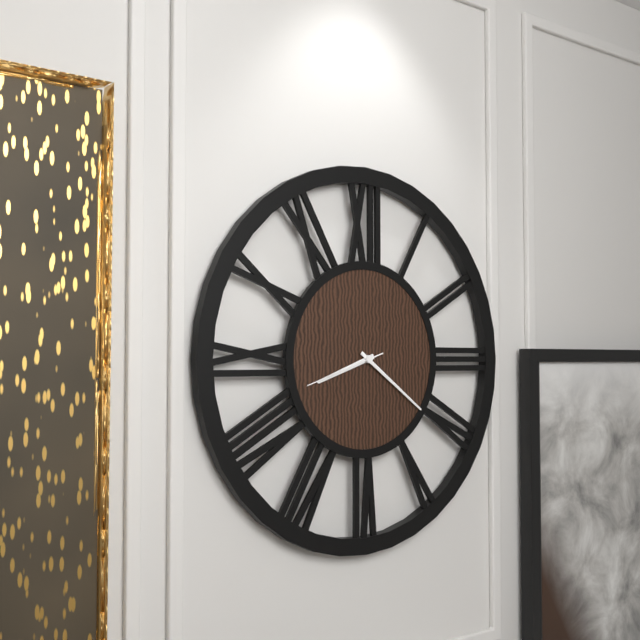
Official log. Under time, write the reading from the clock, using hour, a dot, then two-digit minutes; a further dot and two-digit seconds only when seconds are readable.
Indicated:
8.21.42
